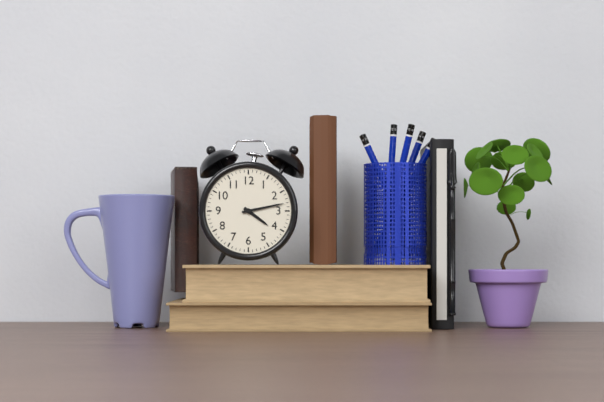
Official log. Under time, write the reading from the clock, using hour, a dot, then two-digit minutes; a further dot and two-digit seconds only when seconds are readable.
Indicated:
4.13
